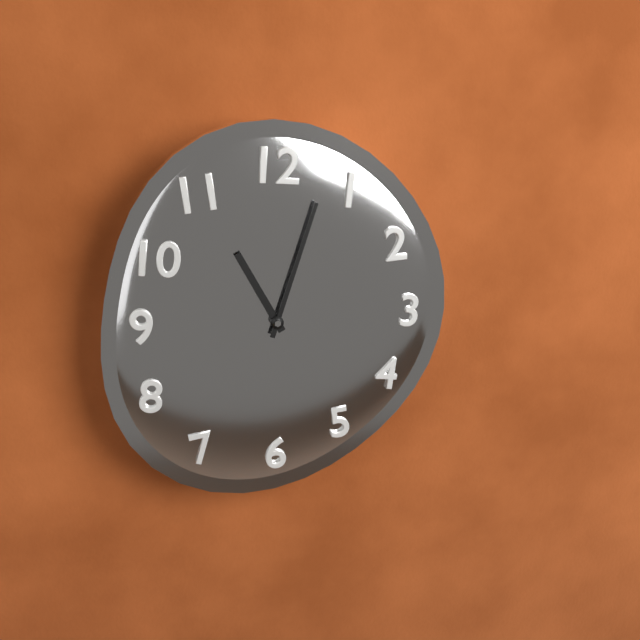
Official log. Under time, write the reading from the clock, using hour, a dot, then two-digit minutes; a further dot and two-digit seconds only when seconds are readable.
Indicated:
11.03
